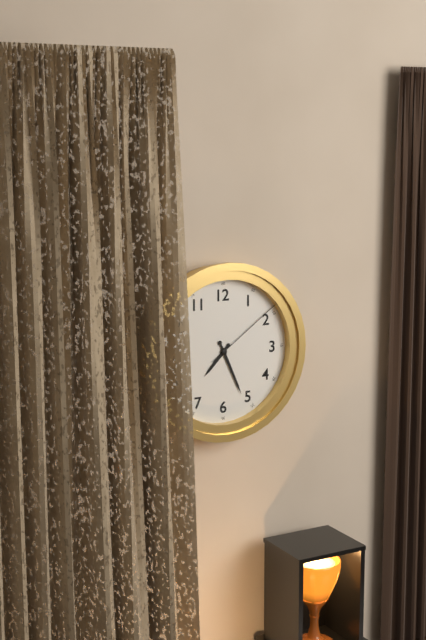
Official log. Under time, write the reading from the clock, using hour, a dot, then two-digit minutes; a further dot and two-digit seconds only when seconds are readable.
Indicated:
7.26.09
